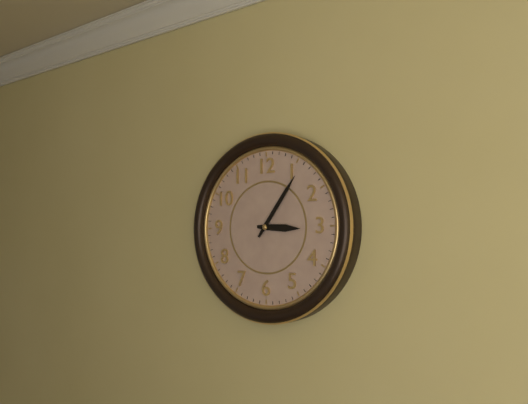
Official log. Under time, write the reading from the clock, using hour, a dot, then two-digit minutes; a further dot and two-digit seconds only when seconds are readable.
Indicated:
3.06
